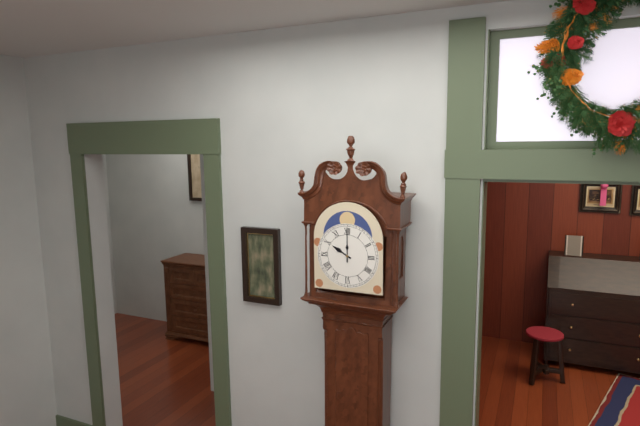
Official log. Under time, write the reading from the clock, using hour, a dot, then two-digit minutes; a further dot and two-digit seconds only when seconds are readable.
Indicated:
10.00
